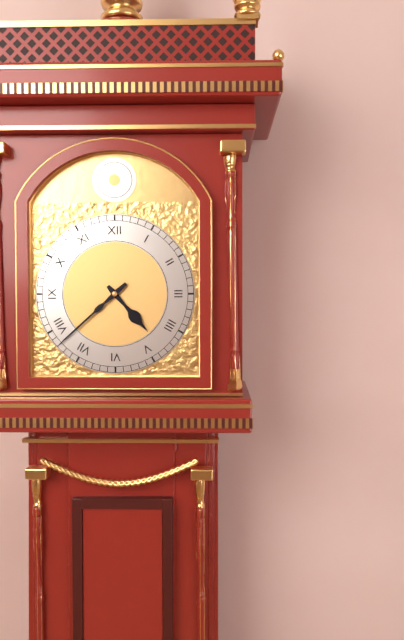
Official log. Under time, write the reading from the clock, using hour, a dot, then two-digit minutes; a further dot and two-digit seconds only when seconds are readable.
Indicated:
4.38
